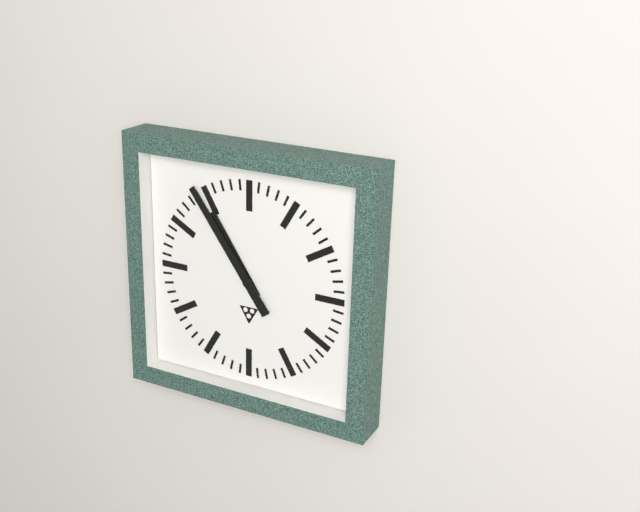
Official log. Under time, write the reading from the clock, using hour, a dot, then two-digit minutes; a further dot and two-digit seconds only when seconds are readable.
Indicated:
10.54
